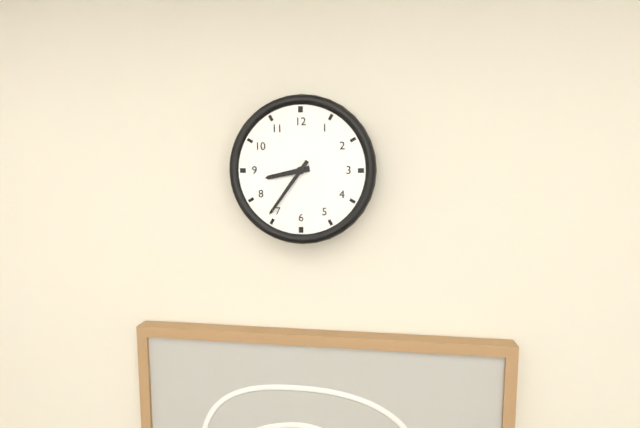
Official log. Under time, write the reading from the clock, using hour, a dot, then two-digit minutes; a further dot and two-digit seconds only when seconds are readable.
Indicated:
8.36
